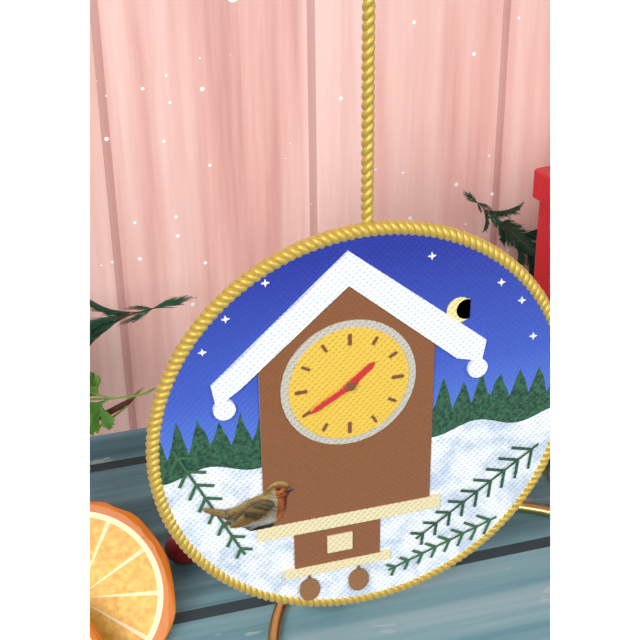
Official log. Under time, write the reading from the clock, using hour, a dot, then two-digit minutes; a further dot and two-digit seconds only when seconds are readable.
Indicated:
1.40
